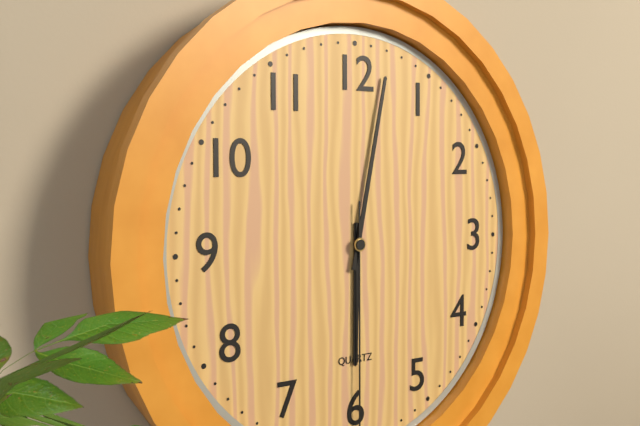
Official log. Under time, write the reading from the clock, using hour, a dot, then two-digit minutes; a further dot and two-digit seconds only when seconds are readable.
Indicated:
6.02
